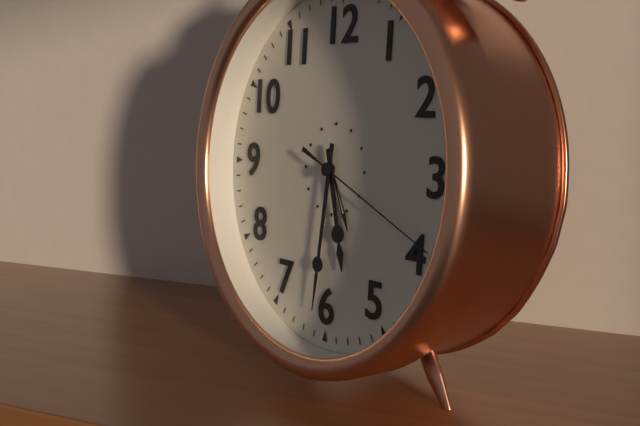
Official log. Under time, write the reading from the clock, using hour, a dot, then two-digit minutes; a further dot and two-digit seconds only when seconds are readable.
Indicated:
5.31.19
